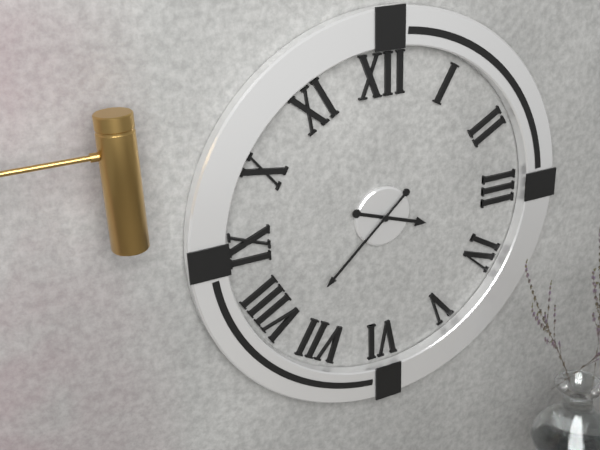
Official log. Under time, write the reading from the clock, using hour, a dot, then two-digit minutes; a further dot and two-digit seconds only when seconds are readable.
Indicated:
3.38
